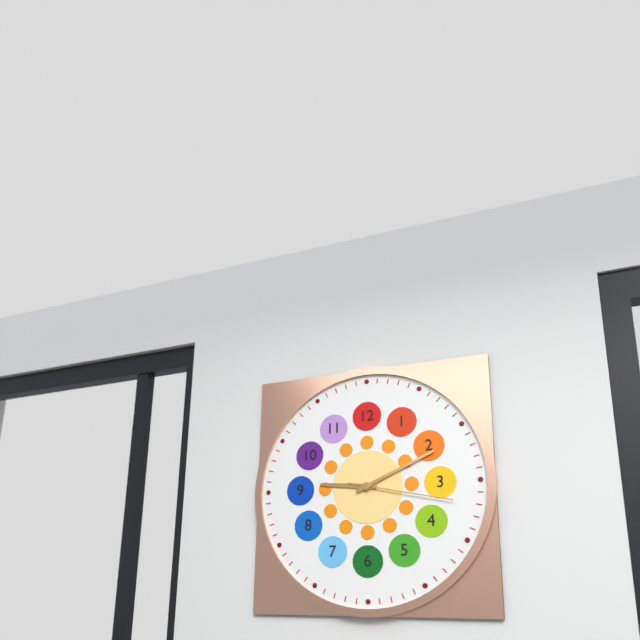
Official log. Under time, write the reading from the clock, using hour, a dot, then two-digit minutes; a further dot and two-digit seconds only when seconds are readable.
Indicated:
9.11.17
